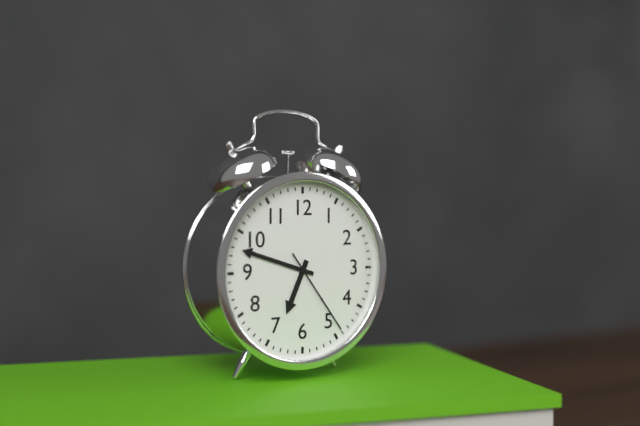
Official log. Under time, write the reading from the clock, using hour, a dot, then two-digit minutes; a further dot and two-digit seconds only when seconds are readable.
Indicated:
6.48.24
